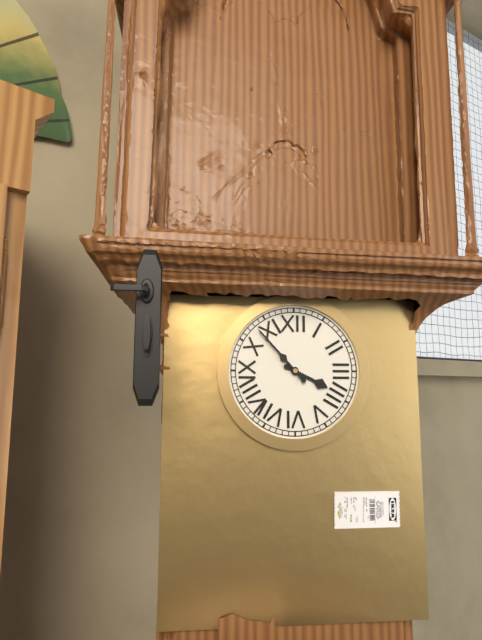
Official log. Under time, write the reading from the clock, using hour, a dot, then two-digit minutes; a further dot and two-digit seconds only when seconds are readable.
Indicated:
3.53
